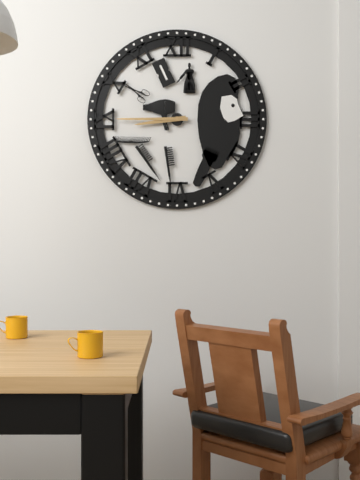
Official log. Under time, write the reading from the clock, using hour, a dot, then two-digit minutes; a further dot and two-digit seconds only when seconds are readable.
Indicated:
8.45
